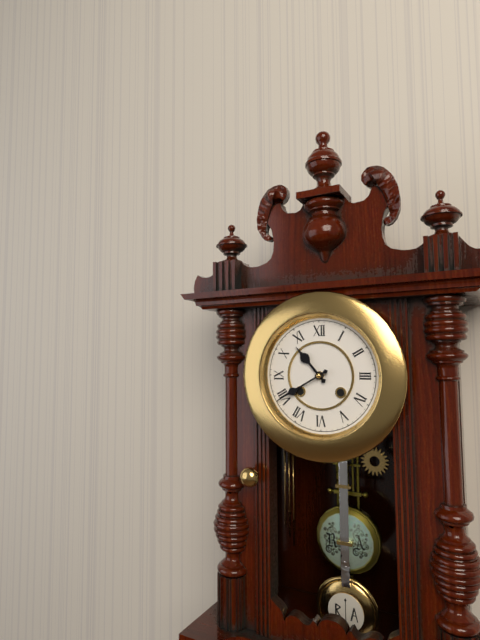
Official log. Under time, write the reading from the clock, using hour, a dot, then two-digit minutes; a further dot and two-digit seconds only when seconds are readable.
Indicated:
10.40
